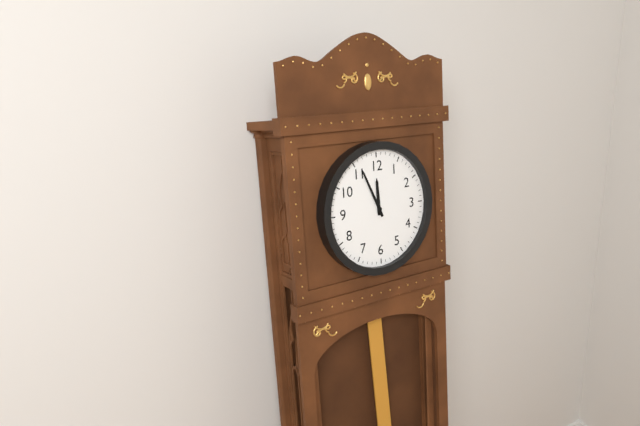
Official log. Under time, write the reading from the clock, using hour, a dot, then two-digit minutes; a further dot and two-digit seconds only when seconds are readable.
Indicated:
11.56
